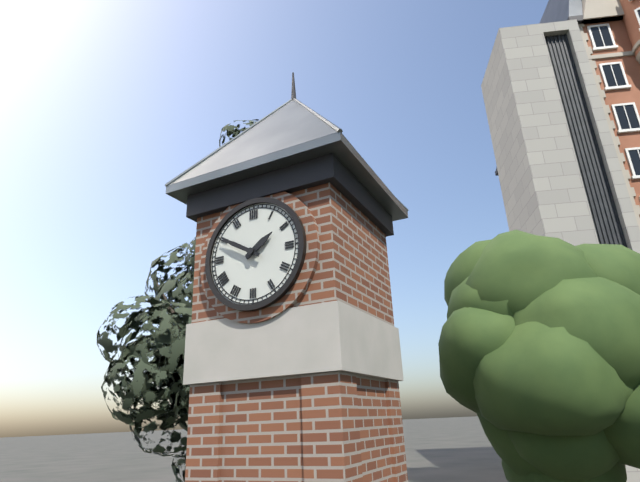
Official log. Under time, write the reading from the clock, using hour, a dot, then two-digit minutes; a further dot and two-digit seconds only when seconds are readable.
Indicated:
1.50
